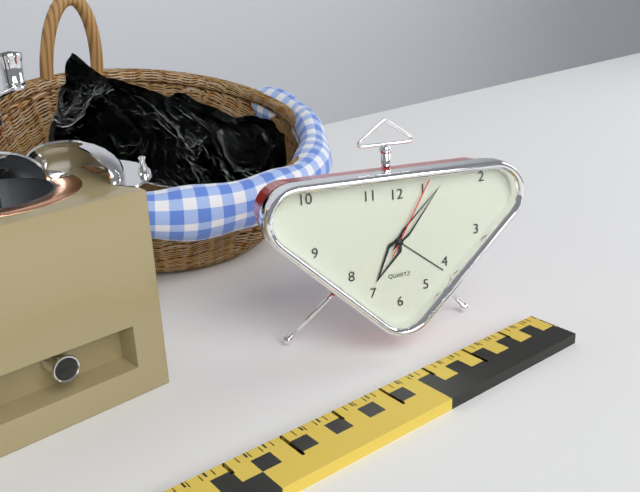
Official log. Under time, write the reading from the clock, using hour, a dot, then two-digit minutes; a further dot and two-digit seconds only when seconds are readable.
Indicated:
7.07.05
